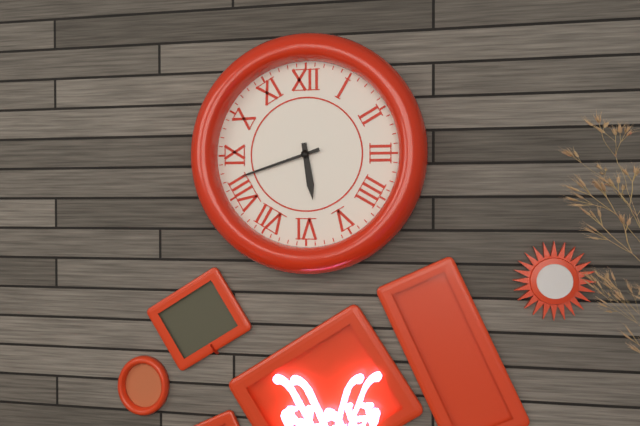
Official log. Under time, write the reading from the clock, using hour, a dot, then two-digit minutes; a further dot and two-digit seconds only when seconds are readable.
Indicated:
5.42
